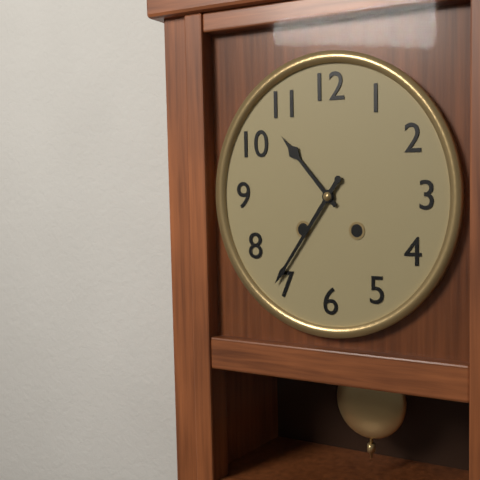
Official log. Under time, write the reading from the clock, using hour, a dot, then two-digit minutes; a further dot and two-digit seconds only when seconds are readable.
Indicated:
10.36
